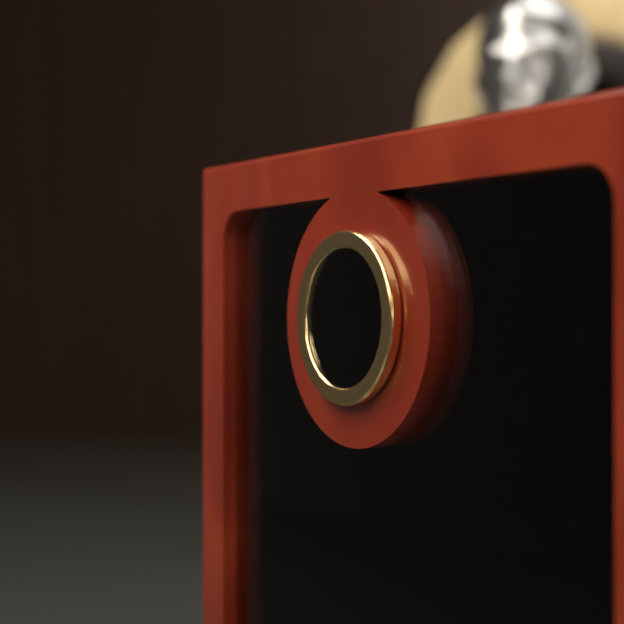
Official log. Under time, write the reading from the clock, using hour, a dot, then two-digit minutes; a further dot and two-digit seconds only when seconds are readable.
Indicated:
10.57
